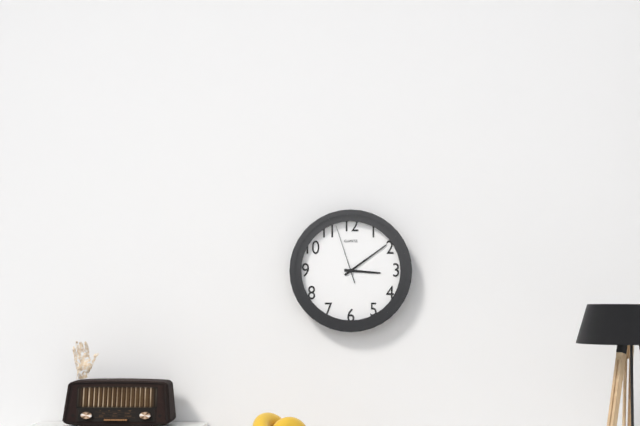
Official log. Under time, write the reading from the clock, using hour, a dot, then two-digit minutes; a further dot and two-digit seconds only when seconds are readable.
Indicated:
3.09.57
